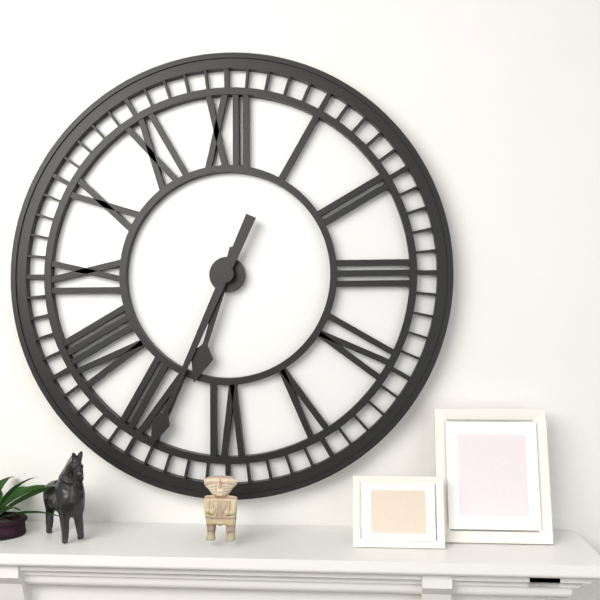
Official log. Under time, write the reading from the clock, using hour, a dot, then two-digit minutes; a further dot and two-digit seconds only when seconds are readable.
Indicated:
6.34
